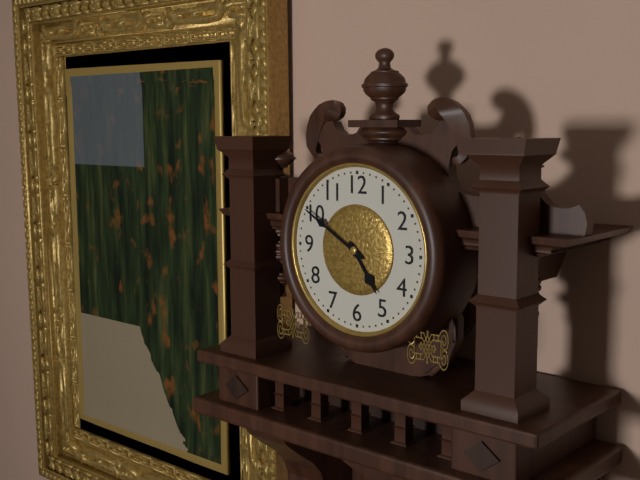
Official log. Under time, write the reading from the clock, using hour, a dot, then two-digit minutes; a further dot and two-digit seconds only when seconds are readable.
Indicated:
4.50
